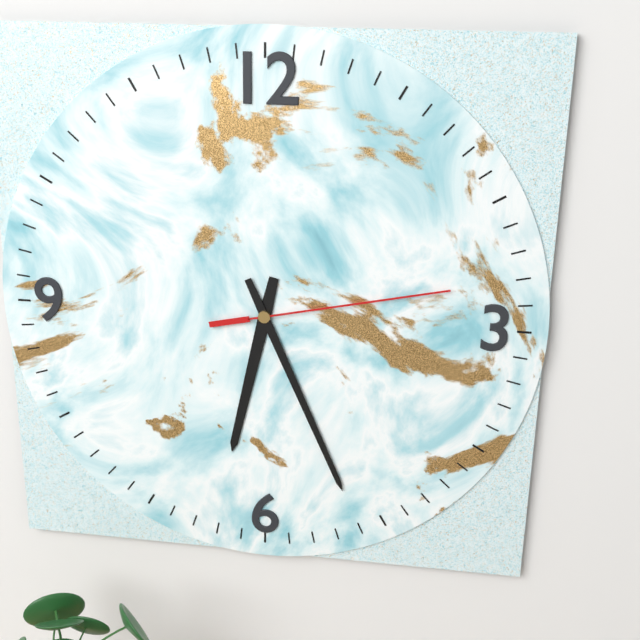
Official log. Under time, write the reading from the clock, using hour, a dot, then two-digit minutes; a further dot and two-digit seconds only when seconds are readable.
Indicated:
6.26.13
